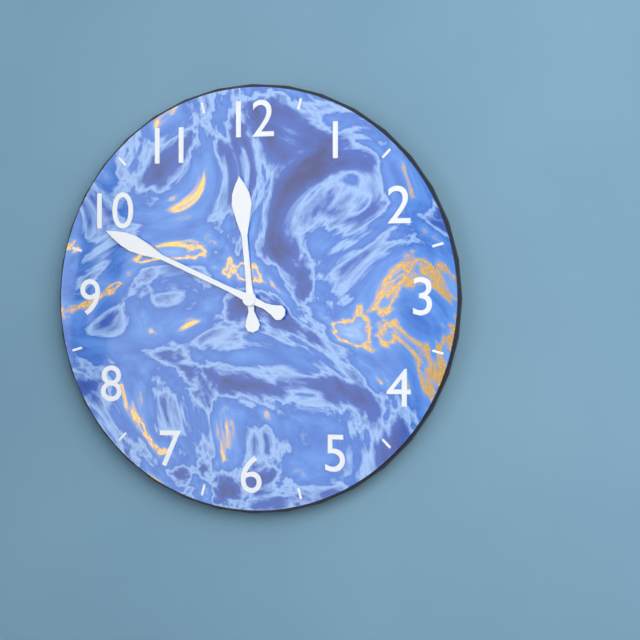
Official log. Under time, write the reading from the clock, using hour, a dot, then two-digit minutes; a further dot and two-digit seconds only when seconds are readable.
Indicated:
11.49
